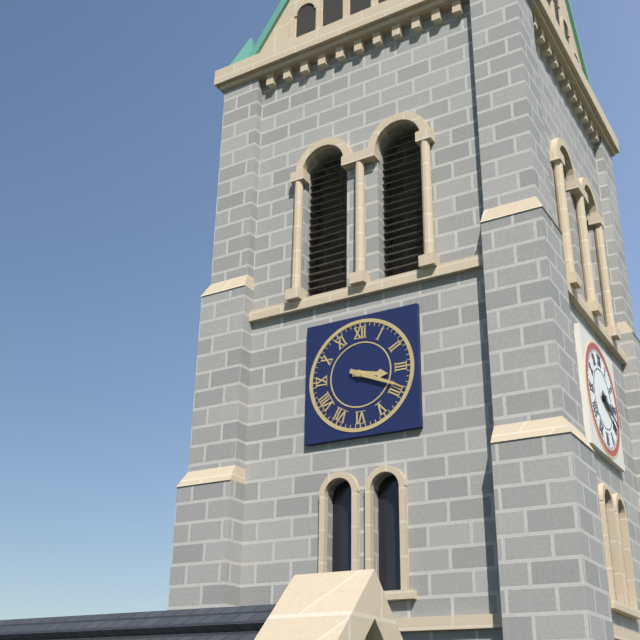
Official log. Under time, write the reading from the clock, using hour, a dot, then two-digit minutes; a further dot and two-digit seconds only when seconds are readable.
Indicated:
3.19
